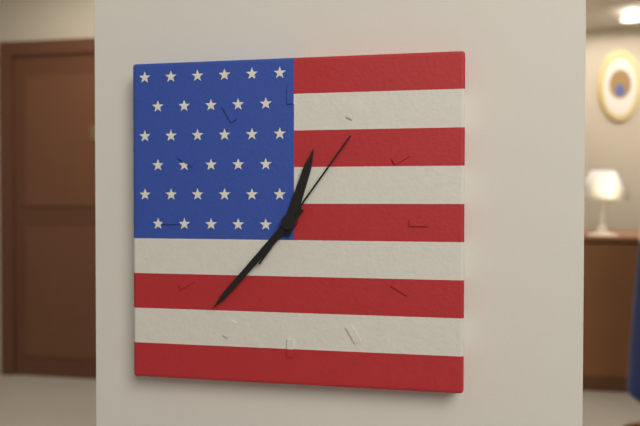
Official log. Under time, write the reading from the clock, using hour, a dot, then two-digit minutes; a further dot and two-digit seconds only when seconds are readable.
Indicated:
12.37.06
